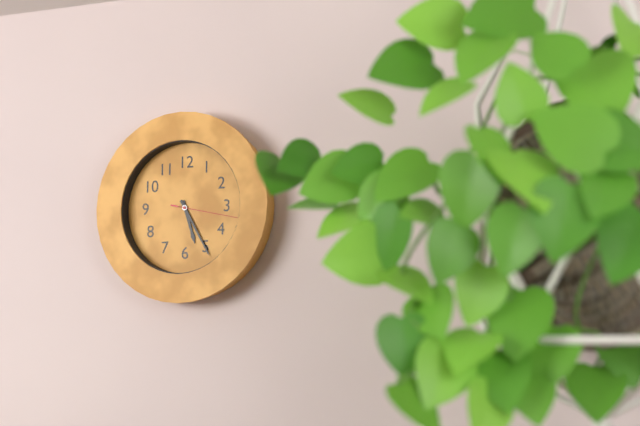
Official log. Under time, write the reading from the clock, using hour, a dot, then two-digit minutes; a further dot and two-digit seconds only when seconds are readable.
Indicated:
5.25.17
